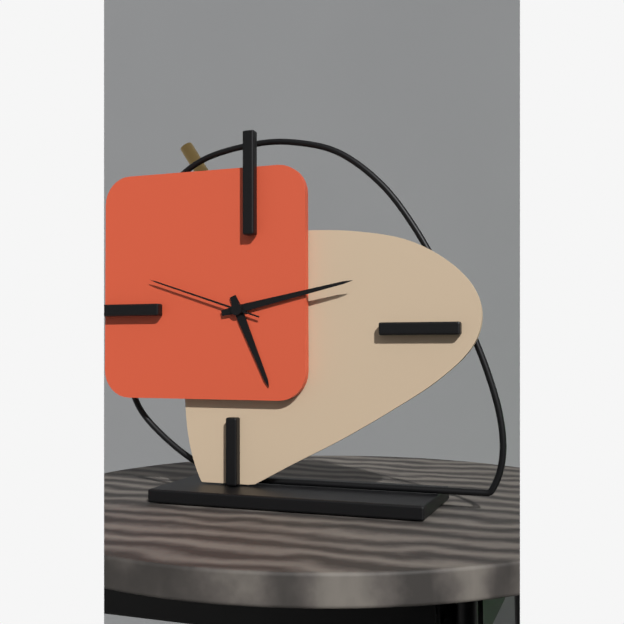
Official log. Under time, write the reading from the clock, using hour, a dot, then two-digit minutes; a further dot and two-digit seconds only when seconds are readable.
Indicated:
5.13.48
